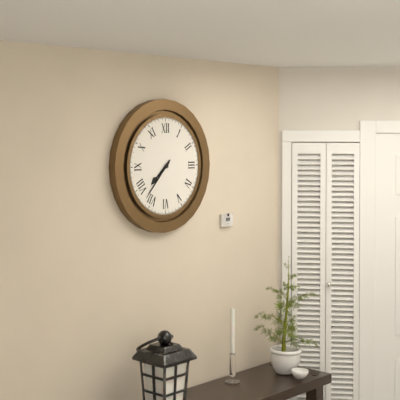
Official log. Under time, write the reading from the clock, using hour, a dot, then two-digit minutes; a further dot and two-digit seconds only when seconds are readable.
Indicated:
7.37
